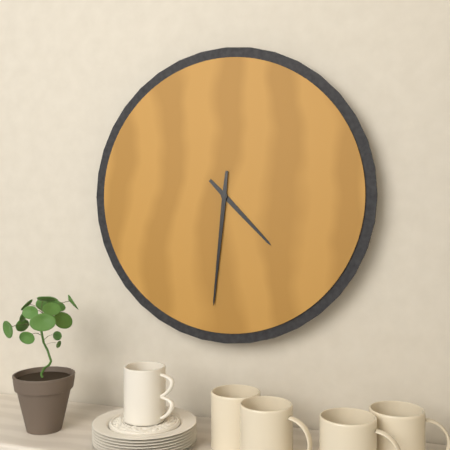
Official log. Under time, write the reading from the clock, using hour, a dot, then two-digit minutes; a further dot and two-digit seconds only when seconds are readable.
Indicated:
4.31
